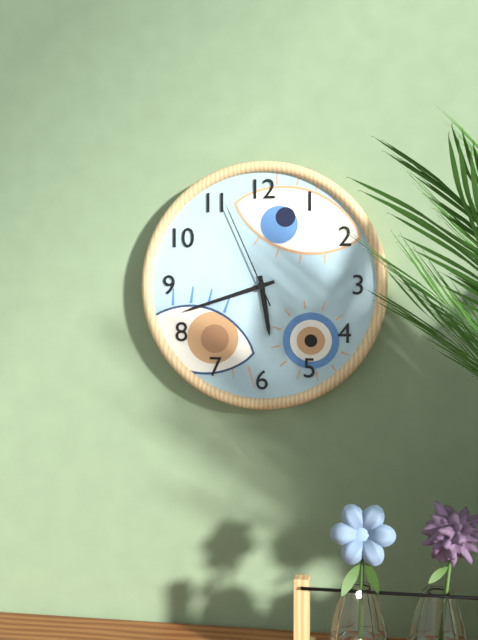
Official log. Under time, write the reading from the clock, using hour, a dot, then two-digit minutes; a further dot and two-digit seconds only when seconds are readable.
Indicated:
5.42.56
